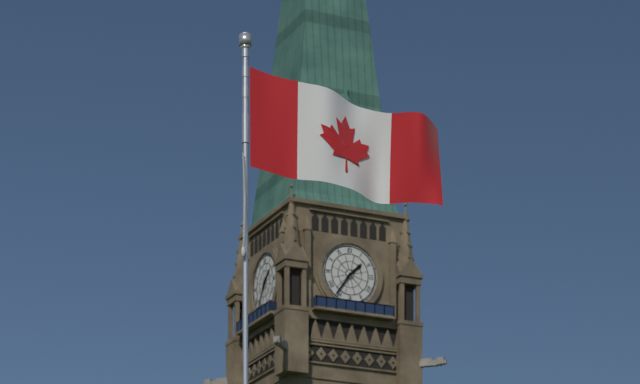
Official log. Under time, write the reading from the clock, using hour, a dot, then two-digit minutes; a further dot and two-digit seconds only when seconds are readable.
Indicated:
1.36
